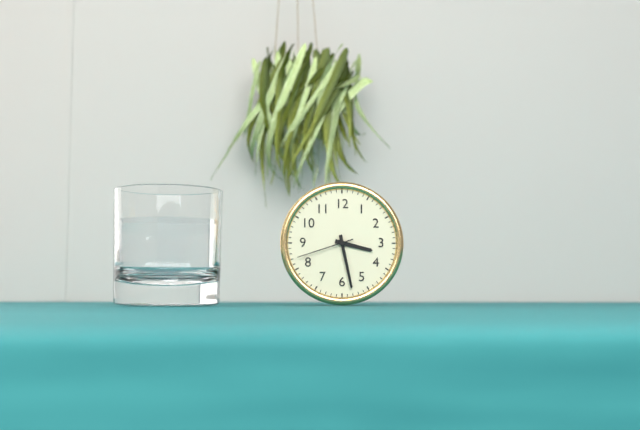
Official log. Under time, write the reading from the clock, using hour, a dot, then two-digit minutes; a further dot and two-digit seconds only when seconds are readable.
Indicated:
3.28.42
